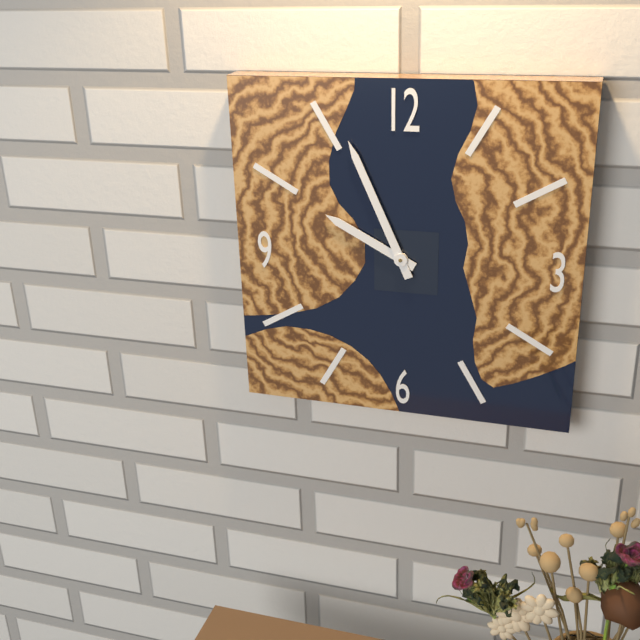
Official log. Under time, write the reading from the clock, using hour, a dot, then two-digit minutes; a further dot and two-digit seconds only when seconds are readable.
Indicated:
9.56
